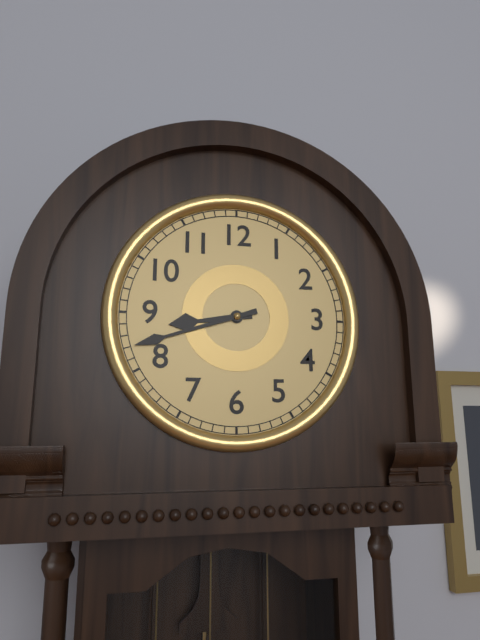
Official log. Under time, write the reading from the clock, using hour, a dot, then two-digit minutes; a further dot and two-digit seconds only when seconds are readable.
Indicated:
8.42
